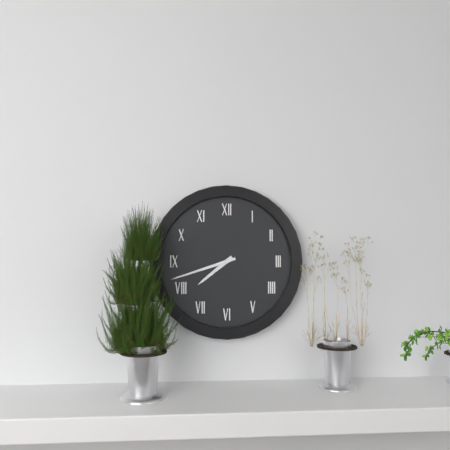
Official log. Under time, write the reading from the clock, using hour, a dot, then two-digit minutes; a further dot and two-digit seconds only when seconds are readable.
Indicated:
7.42
